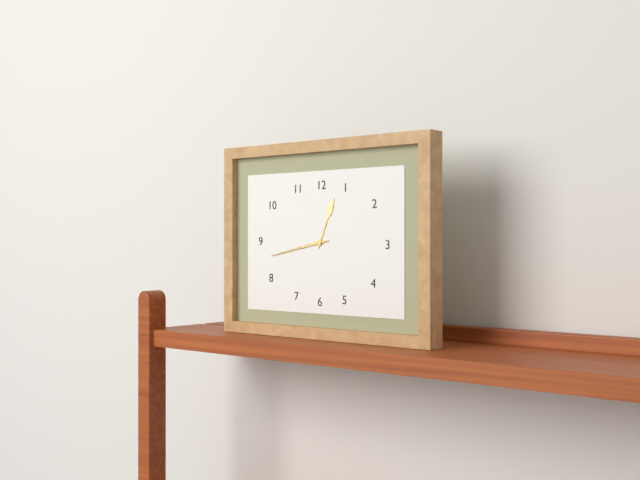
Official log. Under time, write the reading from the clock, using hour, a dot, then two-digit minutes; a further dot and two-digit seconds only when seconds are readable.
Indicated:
12.43
